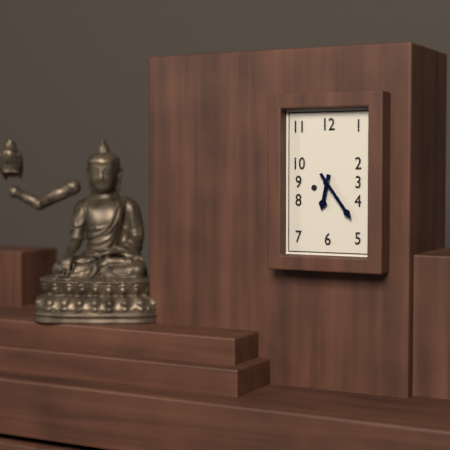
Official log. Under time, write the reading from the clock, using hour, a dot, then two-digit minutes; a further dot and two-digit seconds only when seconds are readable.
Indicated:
6.24
